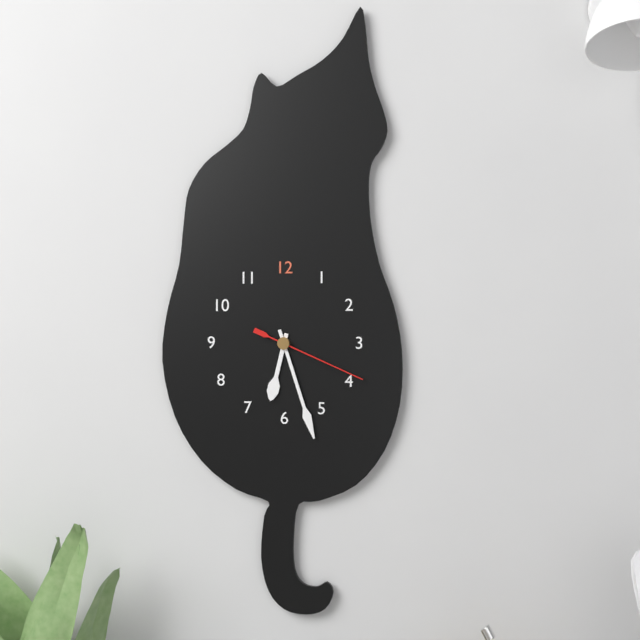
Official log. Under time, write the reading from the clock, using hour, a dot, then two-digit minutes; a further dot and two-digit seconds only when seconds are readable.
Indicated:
6.27.19
